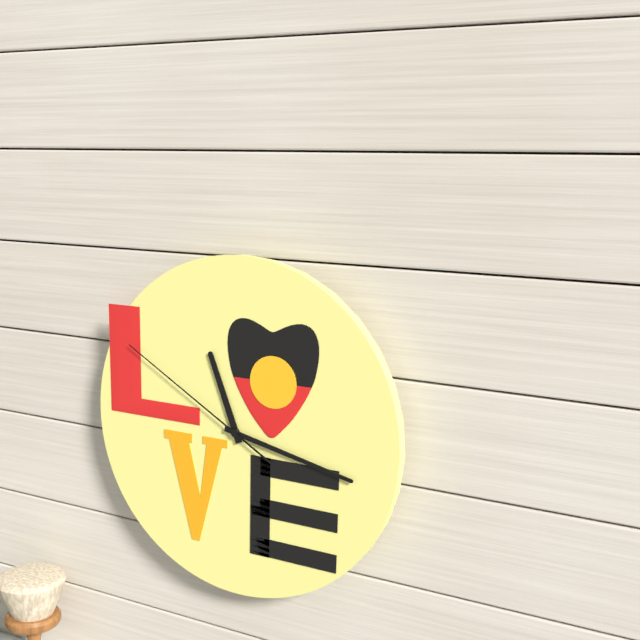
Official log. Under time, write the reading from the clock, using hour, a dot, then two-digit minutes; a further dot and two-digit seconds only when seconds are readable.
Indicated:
11.17.50
